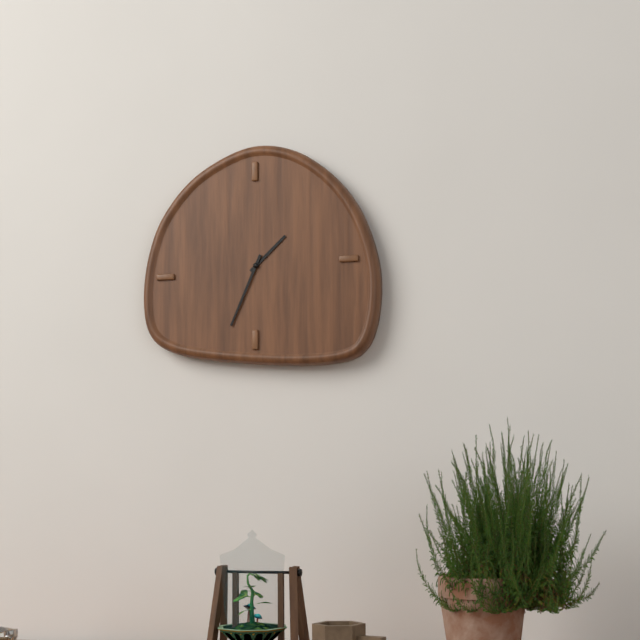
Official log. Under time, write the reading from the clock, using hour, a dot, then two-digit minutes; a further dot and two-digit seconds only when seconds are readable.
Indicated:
1.34
